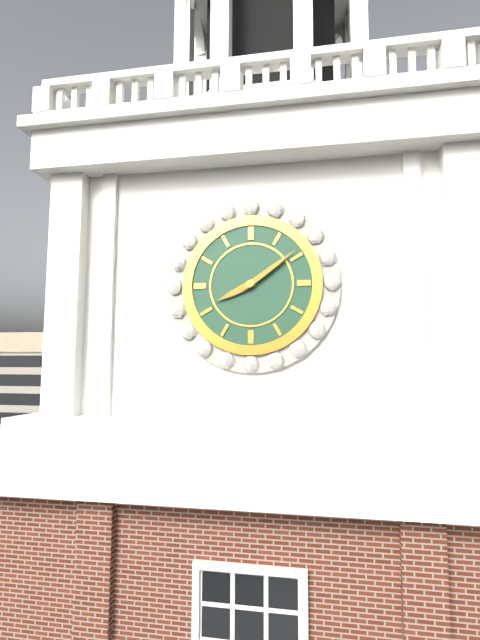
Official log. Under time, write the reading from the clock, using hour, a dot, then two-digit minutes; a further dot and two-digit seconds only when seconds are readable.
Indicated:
8.09
